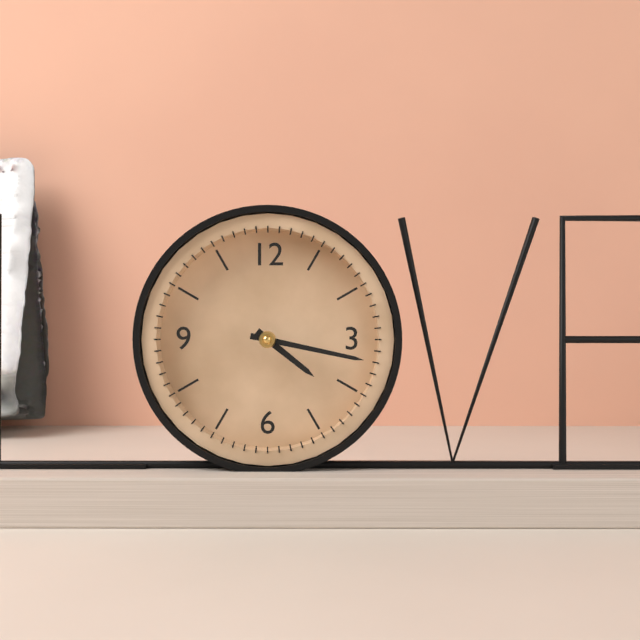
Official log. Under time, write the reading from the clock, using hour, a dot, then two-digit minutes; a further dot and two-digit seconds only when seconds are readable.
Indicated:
4.17
